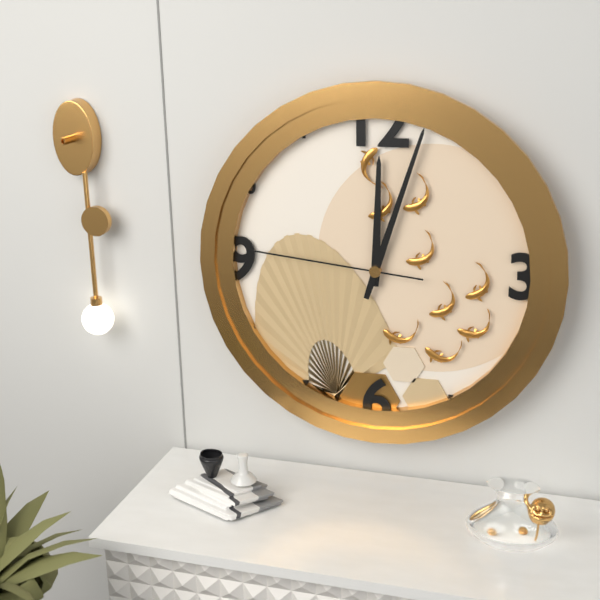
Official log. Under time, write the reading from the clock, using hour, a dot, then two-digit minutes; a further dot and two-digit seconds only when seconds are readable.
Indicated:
12.03.46
